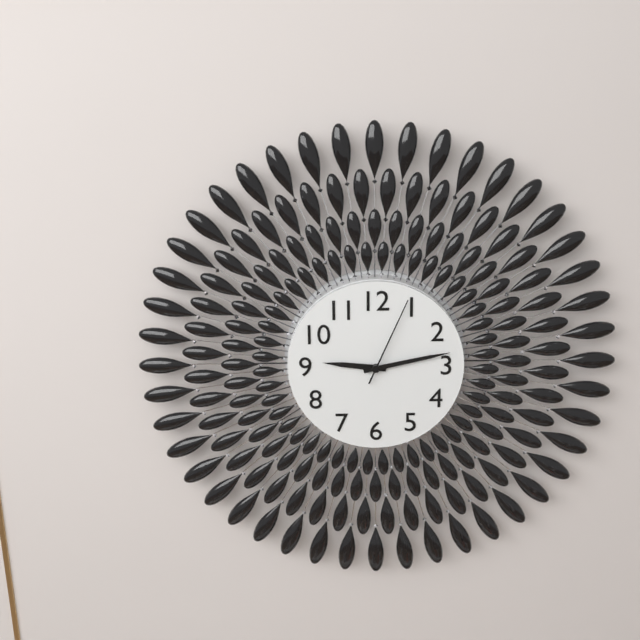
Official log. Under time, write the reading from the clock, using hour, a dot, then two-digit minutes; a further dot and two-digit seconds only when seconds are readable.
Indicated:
9.13.04
